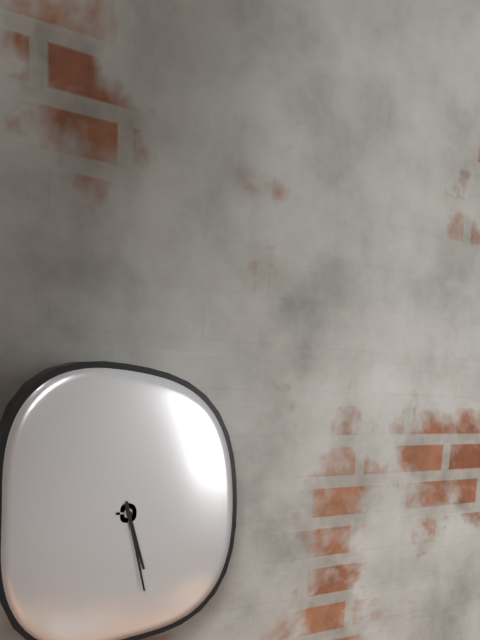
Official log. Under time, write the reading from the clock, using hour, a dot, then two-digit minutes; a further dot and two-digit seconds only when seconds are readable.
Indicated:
5.28
